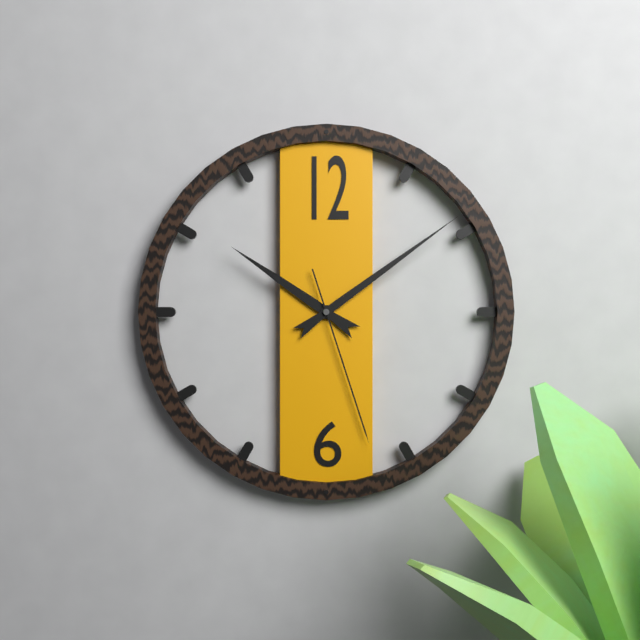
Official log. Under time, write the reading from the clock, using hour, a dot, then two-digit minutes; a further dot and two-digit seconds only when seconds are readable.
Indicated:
10.09.27
